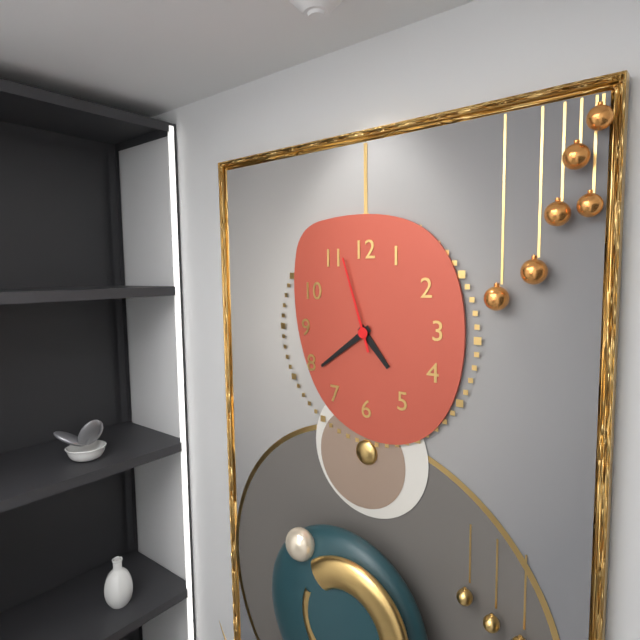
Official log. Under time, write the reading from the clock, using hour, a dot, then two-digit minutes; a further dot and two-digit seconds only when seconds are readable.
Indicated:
4.39.57
